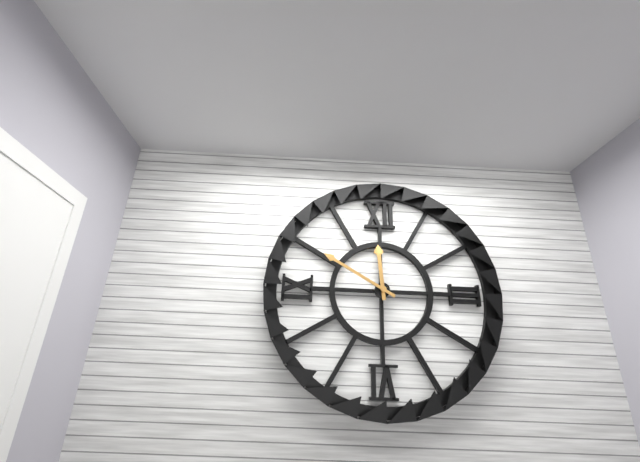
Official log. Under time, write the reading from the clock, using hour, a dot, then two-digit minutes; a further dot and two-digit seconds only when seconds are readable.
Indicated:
11.50
